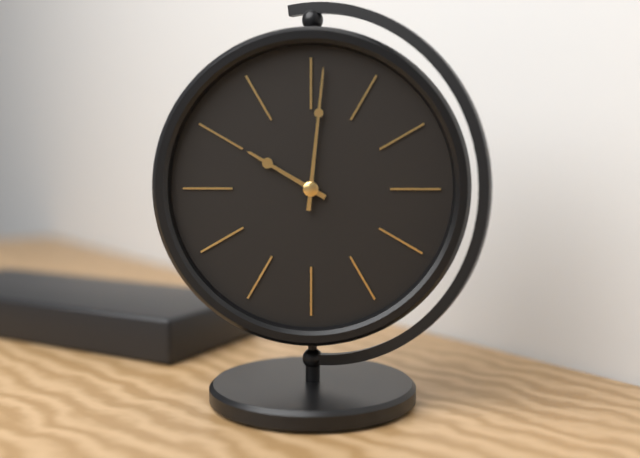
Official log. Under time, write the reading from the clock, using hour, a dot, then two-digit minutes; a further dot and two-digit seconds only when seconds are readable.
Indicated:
10.01
